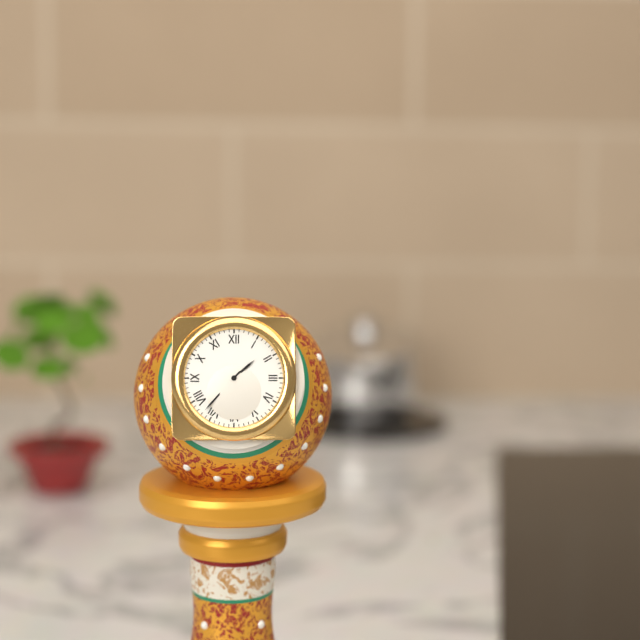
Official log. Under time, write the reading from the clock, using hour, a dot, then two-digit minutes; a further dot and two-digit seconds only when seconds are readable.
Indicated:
1.37
